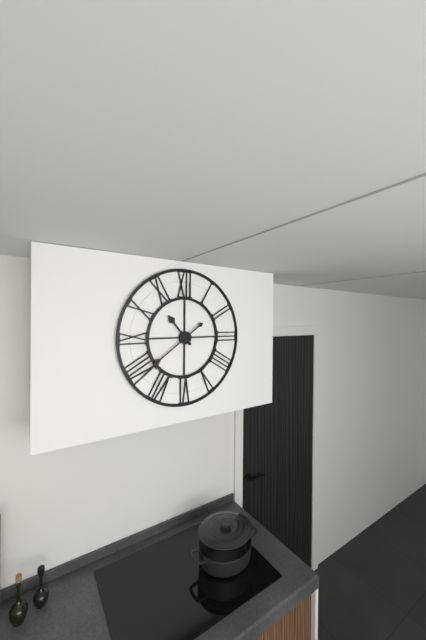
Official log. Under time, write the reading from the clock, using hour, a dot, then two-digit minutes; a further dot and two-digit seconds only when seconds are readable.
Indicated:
10.39
